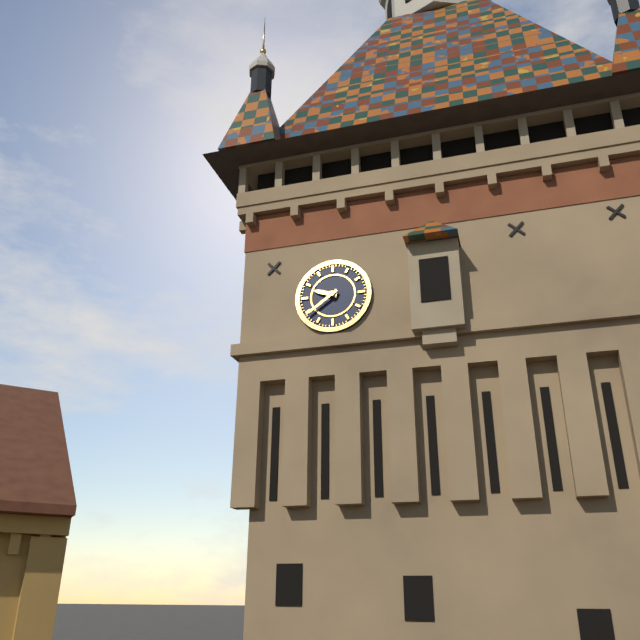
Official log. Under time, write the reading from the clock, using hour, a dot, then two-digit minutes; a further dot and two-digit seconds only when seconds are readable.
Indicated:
9.39
